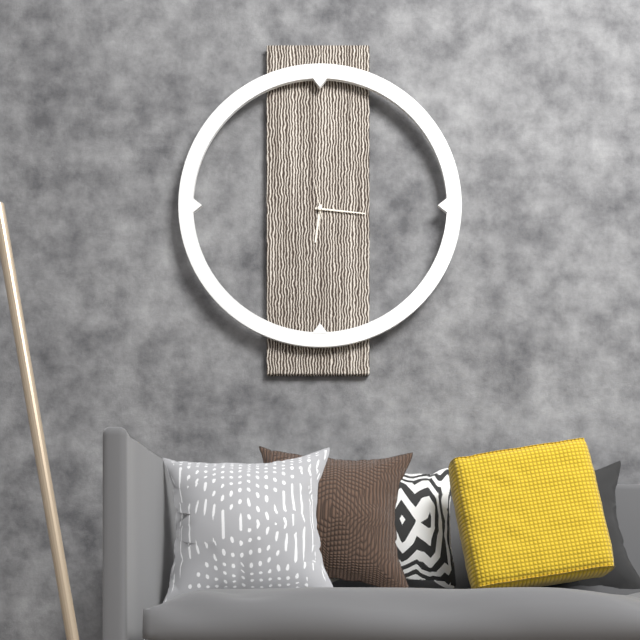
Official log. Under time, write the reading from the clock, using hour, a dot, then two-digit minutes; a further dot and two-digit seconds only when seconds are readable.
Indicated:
6.16
